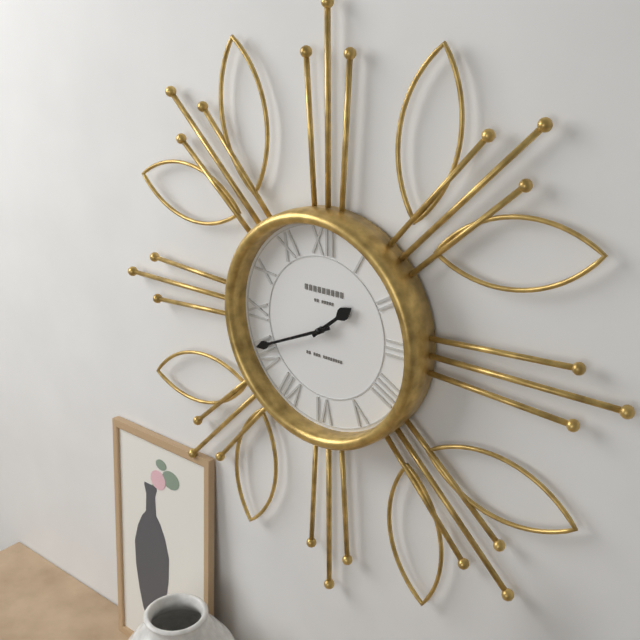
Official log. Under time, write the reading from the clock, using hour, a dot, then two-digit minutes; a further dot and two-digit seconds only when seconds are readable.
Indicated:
1.41
